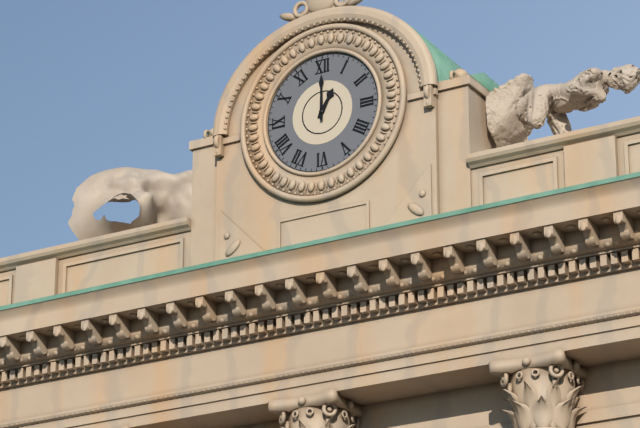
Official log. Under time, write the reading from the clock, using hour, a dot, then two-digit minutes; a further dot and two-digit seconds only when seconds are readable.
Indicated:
1.00
